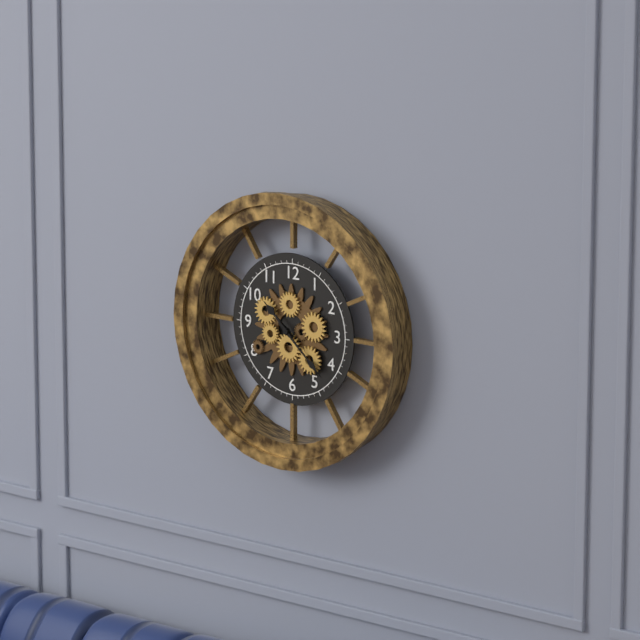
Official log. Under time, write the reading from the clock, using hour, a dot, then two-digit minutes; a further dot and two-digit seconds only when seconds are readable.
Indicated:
10.22
